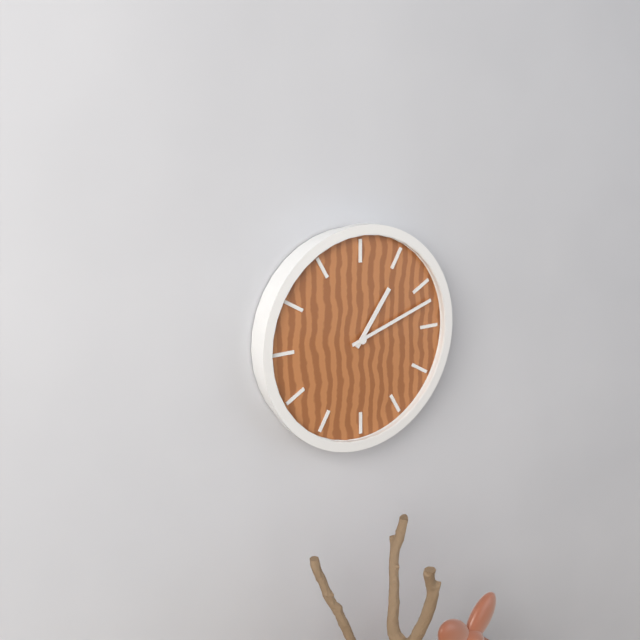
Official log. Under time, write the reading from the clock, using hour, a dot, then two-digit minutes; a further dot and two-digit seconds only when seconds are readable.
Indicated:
1.12
